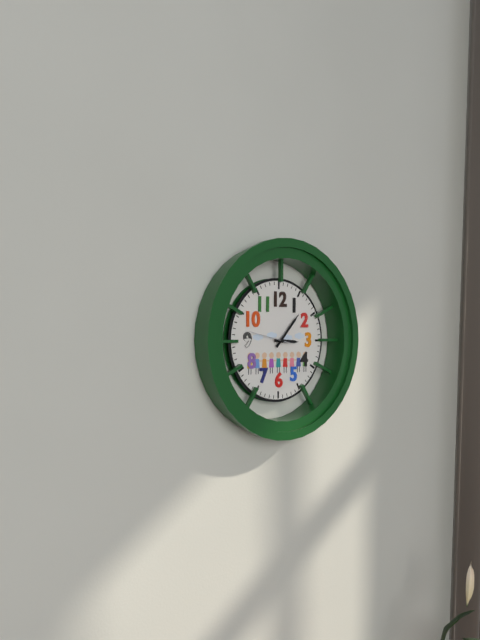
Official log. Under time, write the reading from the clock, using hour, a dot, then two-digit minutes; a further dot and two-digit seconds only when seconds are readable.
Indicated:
3.07
